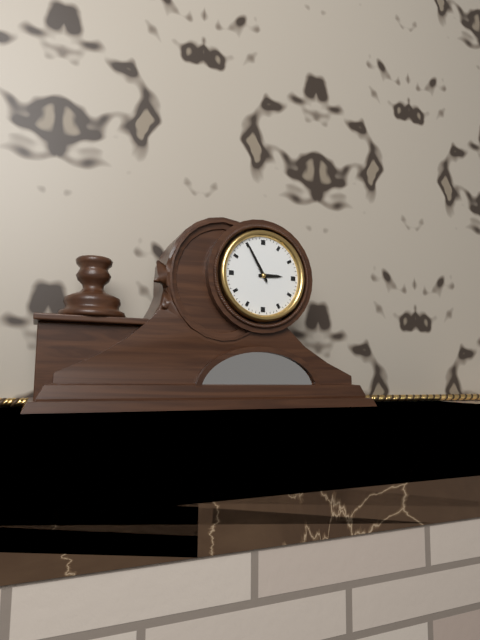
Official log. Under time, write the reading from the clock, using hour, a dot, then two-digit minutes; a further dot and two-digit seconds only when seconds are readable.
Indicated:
2.55
